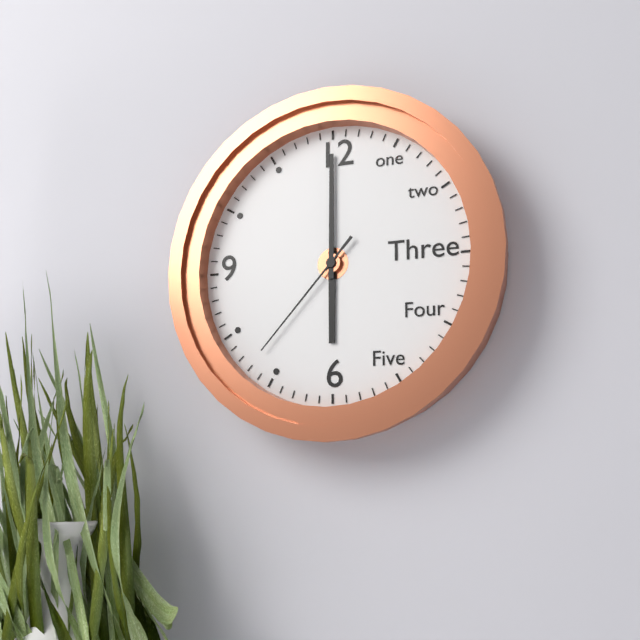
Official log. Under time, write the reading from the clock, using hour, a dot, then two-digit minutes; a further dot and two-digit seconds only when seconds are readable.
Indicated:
6.00.37
